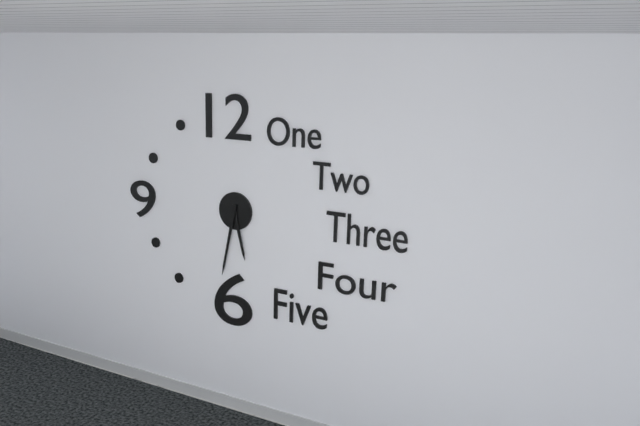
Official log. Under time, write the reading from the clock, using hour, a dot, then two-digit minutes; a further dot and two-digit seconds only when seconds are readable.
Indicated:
5.32
